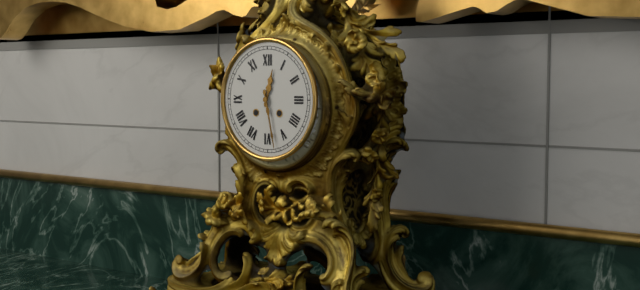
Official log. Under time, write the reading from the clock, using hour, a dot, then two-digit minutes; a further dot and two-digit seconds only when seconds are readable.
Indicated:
12.28
